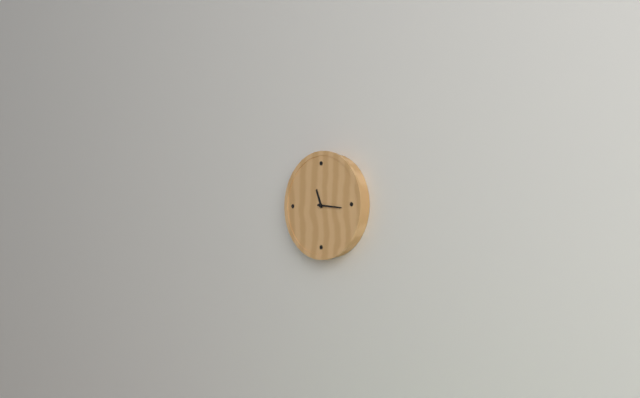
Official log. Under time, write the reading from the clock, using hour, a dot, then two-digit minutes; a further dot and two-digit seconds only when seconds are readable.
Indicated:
11.16
